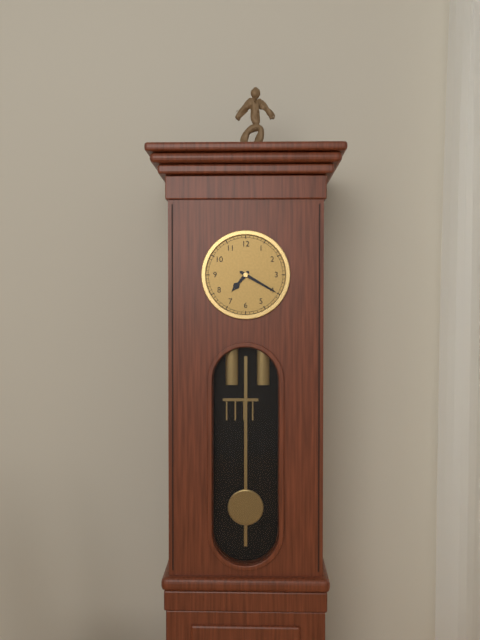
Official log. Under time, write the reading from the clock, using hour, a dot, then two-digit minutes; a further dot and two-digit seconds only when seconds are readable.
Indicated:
7.20
